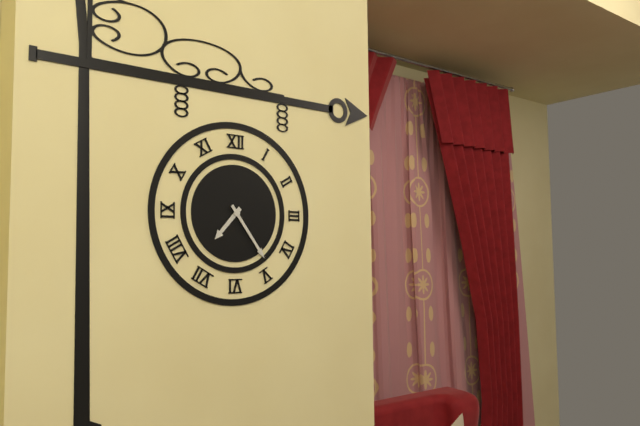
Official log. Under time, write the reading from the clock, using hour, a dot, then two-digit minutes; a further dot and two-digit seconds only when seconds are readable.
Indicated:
7.24
